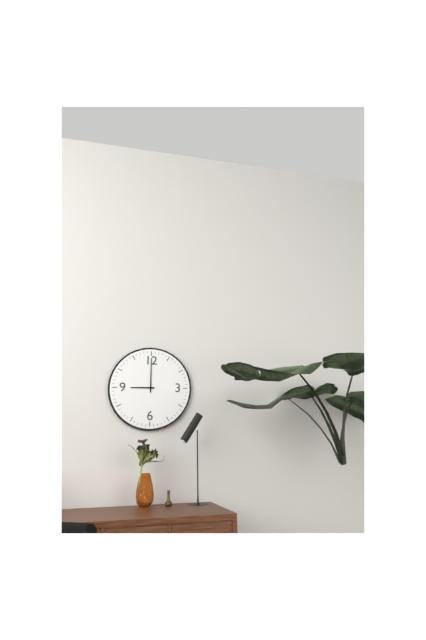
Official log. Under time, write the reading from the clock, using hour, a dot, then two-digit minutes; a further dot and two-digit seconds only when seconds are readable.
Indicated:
9.00
